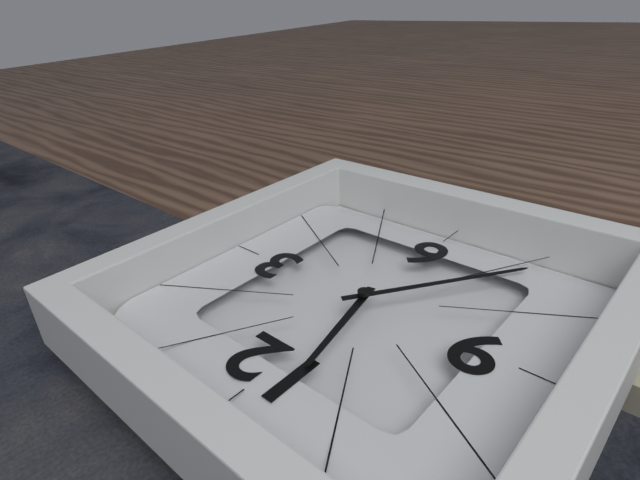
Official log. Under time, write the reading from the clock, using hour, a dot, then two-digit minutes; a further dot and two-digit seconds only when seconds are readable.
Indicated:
11.36
